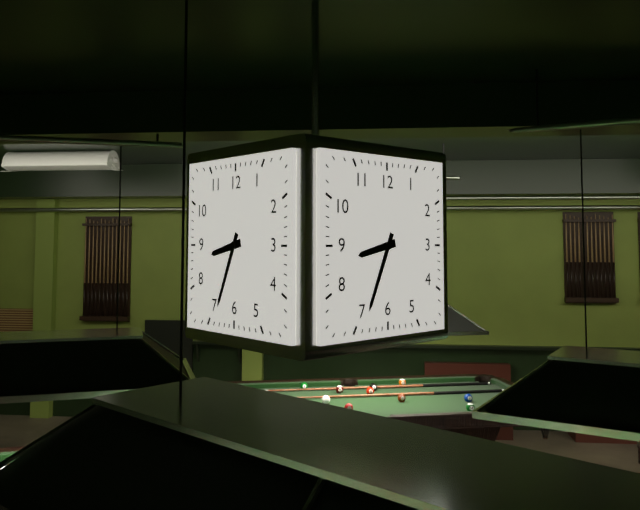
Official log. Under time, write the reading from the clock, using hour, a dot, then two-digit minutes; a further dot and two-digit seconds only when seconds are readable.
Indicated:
8.34
